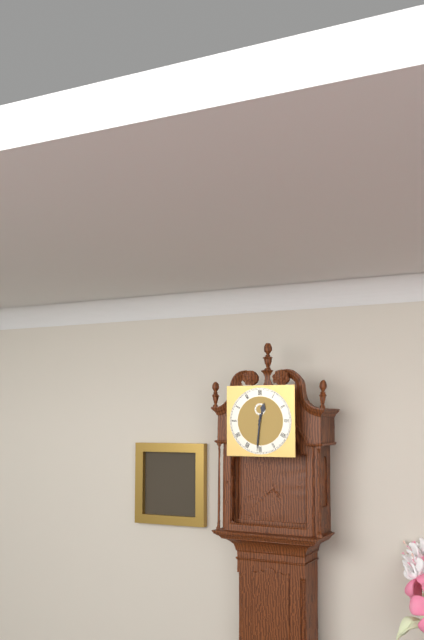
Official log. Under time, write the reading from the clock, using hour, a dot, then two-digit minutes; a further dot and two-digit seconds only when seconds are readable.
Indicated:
12.31
